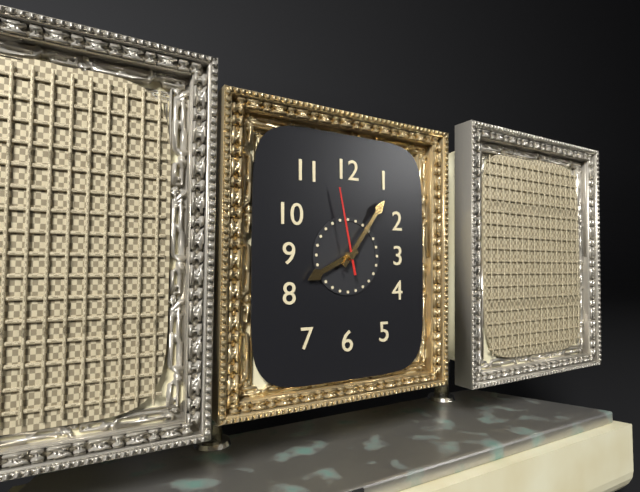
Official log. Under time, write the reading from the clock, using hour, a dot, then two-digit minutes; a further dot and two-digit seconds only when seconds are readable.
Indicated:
8.06.58
